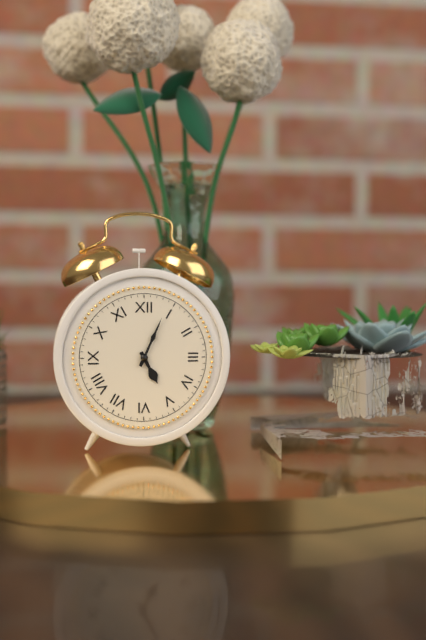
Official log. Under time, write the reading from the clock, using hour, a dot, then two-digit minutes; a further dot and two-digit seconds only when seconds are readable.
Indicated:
5.04
